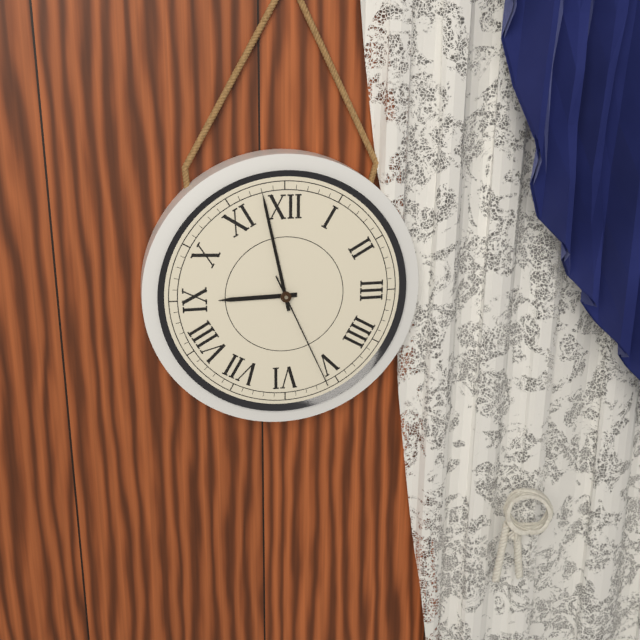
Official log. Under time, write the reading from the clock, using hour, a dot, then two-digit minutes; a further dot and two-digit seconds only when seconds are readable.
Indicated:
8.58.26
